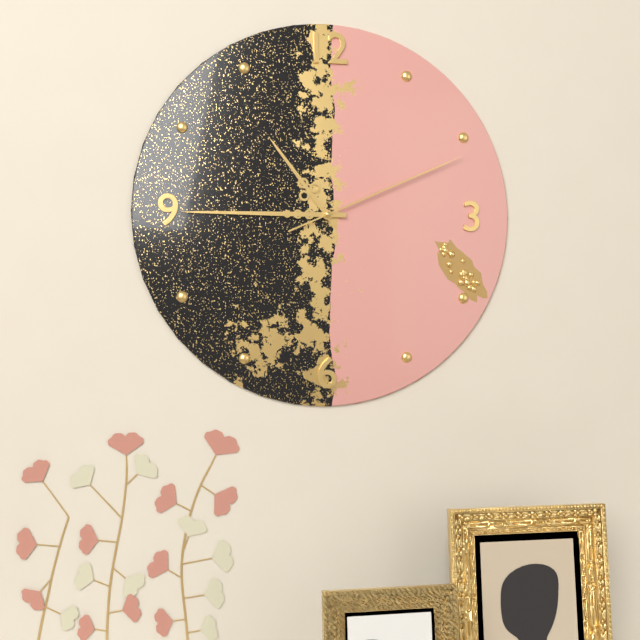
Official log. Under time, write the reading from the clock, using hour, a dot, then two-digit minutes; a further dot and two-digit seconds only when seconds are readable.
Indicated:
10.45.11
